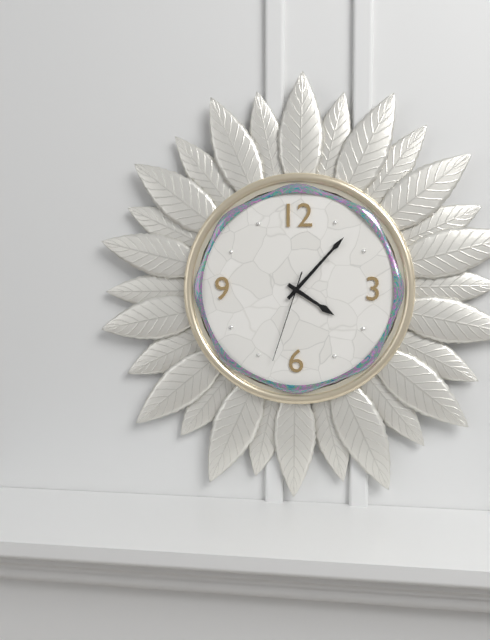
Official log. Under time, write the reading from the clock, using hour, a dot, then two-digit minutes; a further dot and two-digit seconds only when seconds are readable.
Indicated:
4.07.33
